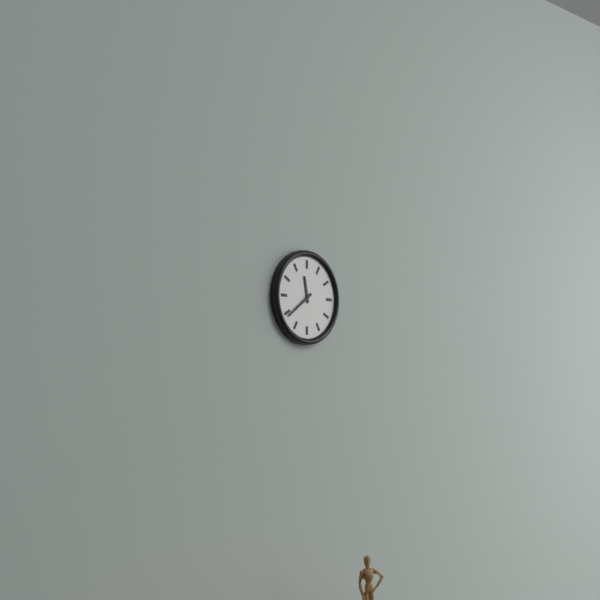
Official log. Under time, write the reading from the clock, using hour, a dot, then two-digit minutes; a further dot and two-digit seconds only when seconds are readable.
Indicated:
11.39
